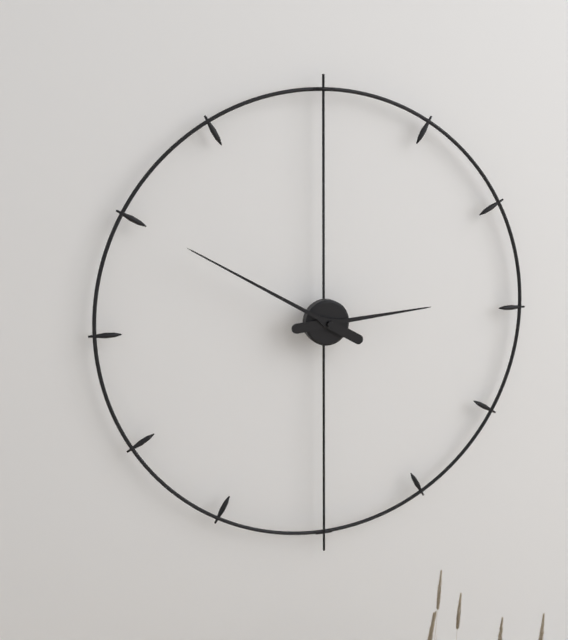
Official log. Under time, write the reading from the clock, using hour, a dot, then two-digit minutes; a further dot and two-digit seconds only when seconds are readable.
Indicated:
2.50
